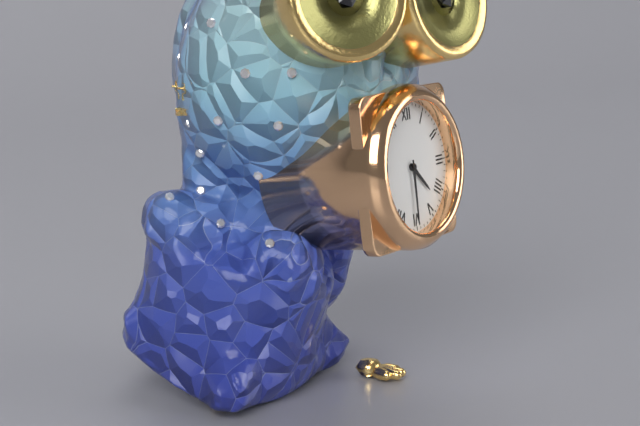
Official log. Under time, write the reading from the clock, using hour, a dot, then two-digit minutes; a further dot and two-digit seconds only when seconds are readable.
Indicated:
4.30
